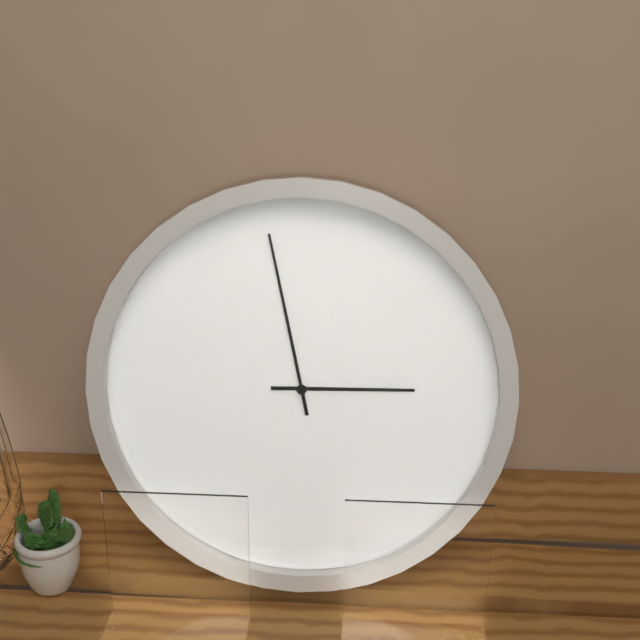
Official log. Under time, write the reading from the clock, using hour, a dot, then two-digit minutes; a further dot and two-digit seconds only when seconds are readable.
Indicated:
2.58
